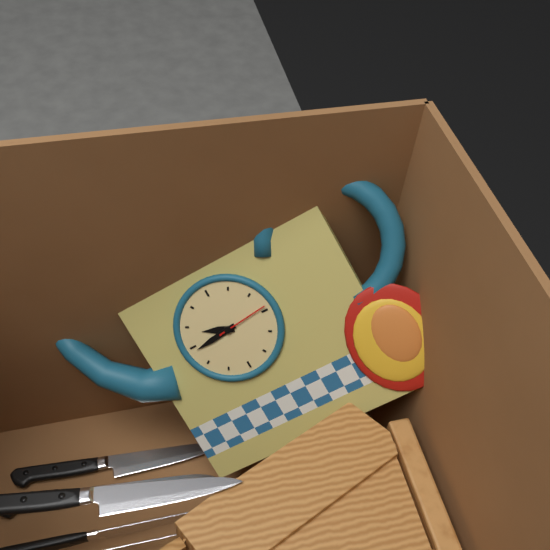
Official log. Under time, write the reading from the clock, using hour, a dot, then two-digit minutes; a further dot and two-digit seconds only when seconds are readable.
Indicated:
9.44
